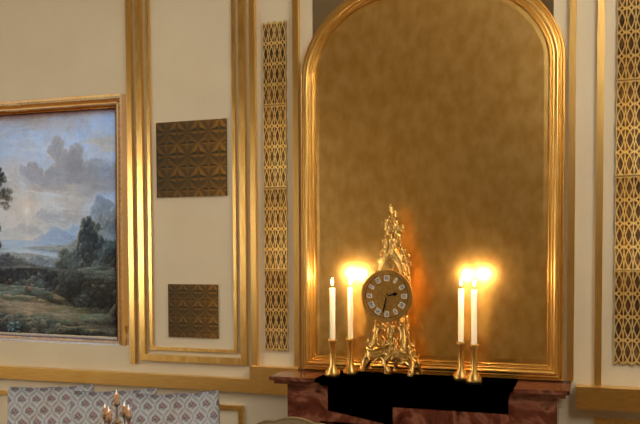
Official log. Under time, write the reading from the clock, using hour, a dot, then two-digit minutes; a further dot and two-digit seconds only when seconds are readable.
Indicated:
2.32
